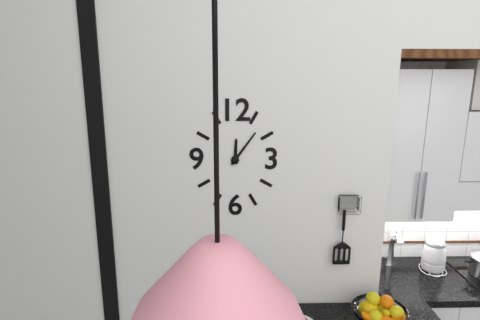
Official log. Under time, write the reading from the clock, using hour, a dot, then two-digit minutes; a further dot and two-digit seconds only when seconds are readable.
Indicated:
12.06
